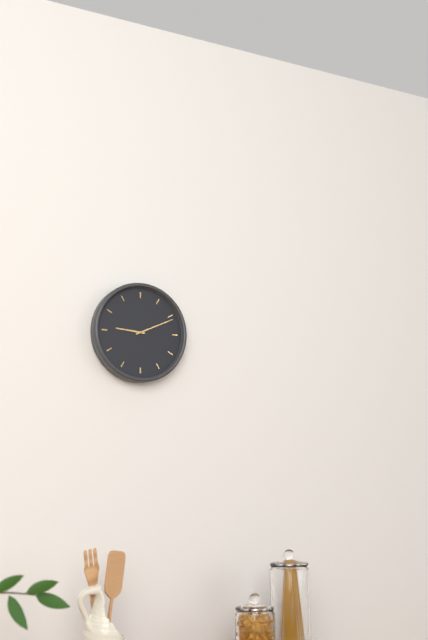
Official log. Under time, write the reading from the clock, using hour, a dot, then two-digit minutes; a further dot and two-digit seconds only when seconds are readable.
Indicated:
9.11
